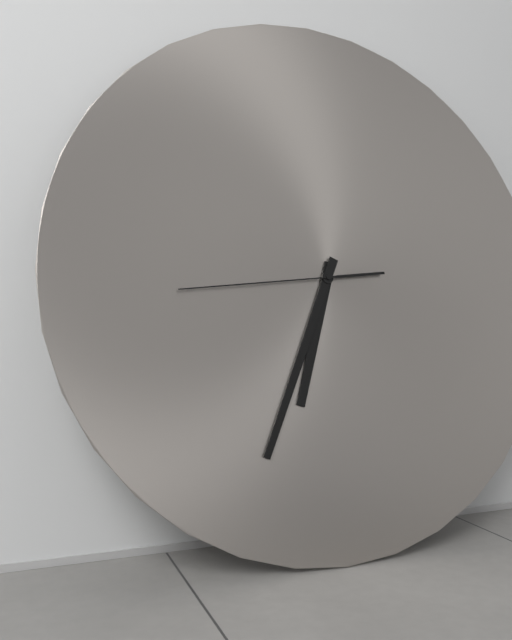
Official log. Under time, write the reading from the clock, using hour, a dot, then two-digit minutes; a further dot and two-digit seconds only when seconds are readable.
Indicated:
6.34.44
